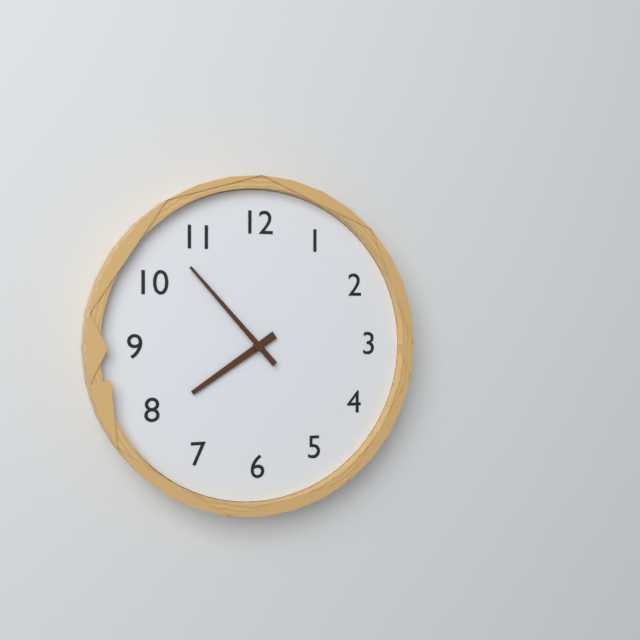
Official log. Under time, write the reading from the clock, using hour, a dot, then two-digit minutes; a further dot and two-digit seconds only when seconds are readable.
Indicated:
7.53
